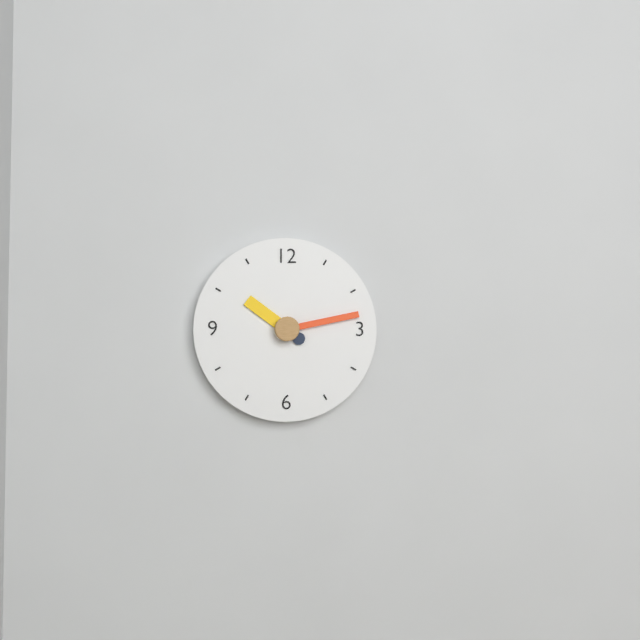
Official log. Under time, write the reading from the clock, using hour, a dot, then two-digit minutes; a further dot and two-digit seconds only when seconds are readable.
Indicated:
10.13
